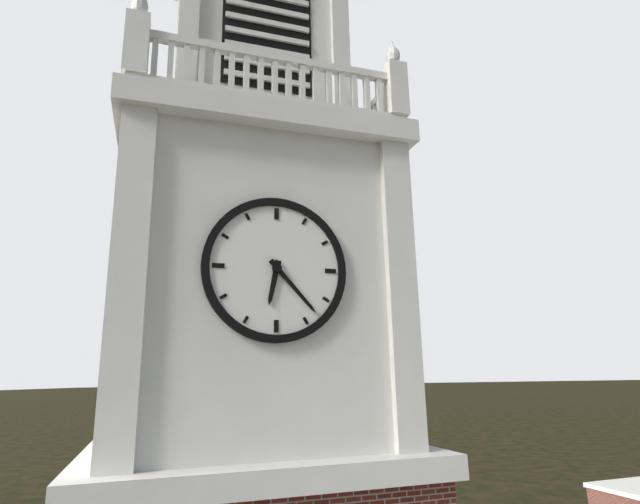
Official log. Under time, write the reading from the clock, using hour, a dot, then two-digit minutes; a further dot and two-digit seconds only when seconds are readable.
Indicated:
6.23
